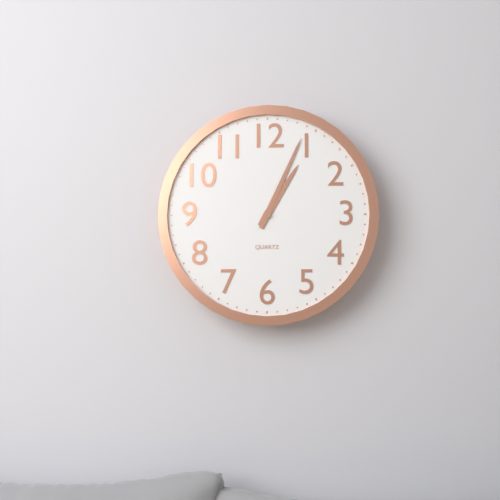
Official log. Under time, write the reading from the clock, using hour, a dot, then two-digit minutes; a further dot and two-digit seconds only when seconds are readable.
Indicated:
1.04
